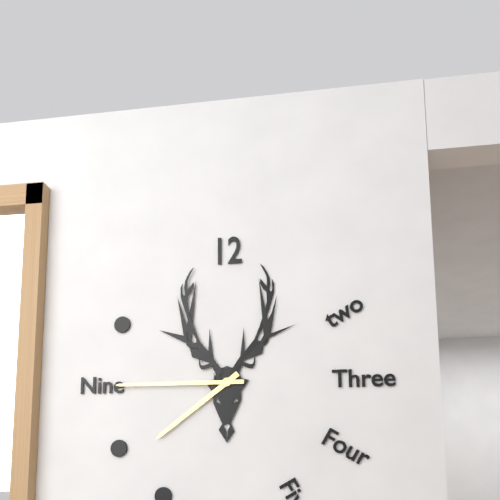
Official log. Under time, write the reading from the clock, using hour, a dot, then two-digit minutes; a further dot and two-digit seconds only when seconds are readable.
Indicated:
7.45
